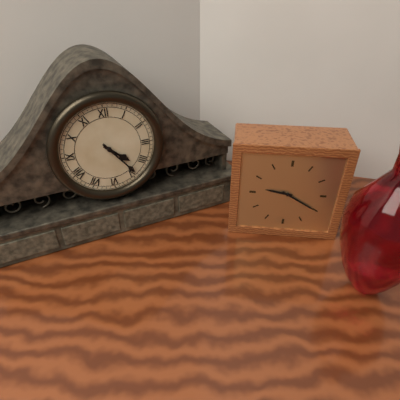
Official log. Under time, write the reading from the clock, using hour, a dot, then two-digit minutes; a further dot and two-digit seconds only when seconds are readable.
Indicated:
4.24
